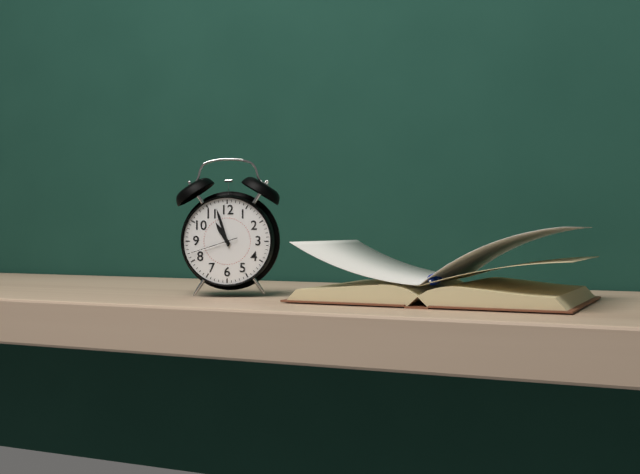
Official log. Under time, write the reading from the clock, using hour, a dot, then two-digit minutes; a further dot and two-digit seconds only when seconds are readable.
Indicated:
10.57
